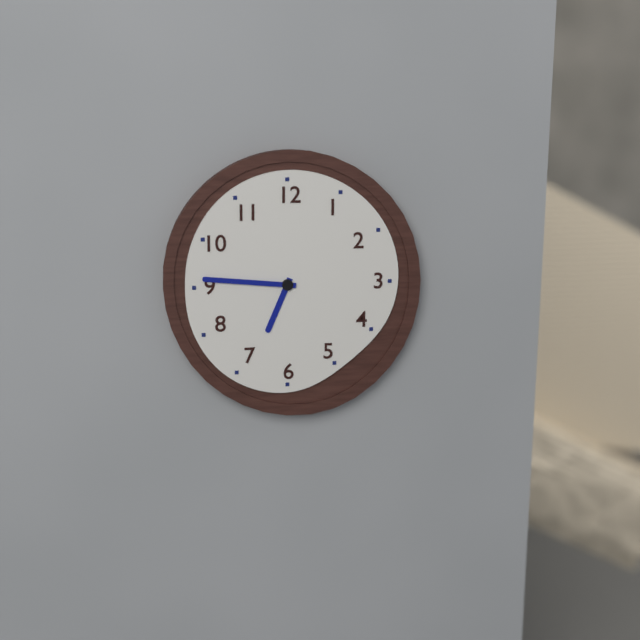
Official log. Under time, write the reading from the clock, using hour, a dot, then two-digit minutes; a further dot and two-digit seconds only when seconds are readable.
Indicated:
6.46
